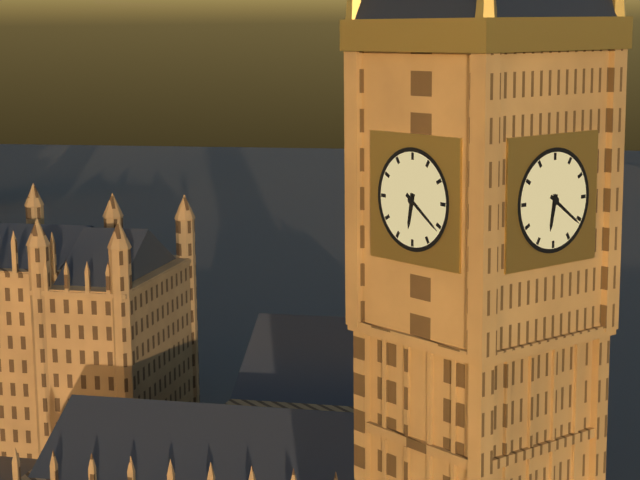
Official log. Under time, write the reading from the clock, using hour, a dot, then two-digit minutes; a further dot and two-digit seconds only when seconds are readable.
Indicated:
6.21
